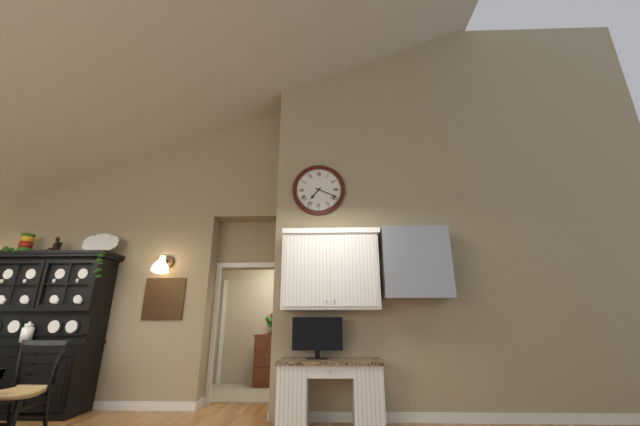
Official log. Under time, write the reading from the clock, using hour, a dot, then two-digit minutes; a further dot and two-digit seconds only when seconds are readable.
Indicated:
7.19
